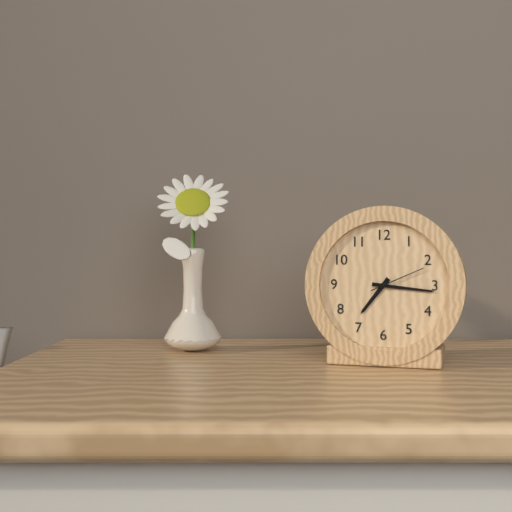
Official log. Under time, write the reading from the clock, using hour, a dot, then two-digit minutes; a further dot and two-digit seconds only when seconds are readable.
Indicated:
7.16.11
